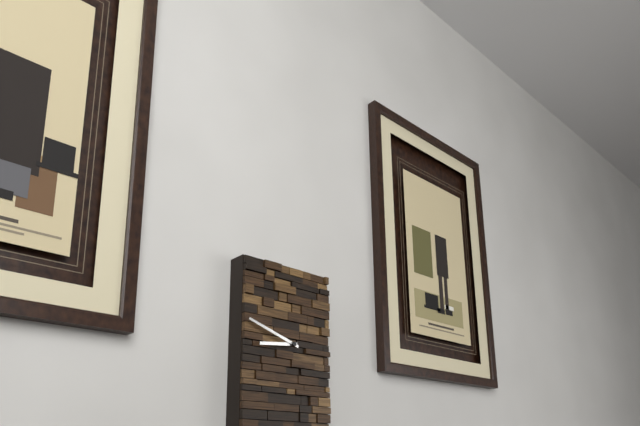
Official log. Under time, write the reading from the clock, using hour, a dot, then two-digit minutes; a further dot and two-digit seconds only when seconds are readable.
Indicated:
8.48
